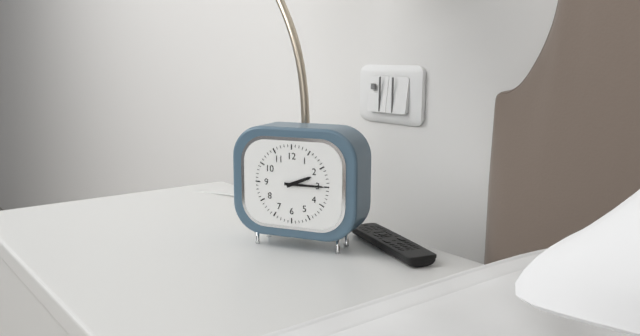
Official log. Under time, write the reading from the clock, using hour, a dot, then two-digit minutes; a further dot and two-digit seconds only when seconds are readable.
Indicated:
2.15
